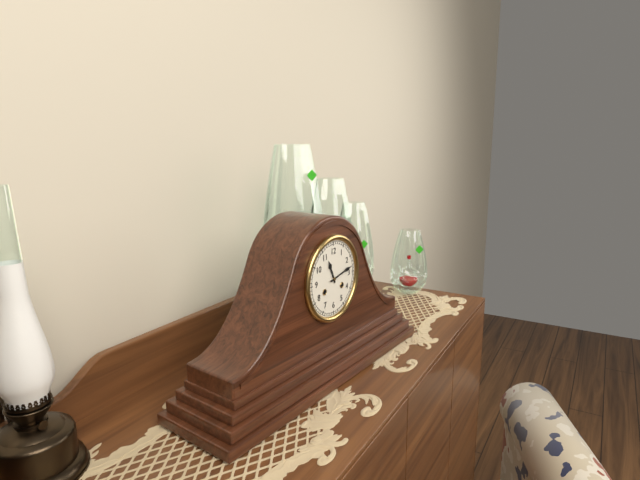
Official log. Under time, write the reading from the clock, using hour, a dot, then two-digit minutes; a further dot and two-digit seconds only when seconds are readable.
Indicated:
11.13
